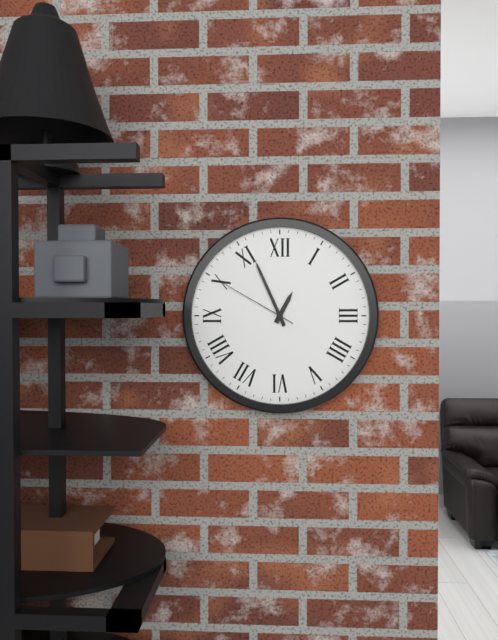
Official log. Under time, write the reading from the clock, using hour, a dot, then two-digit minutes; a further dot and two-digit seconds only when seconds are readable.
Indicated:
12.56.50
